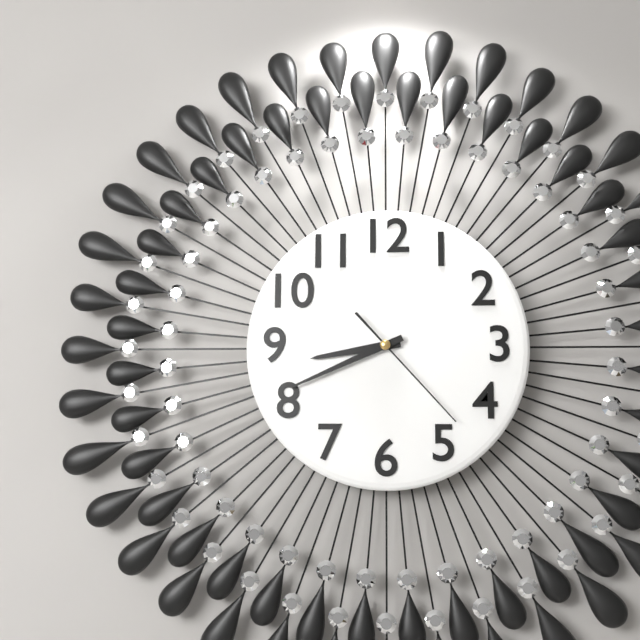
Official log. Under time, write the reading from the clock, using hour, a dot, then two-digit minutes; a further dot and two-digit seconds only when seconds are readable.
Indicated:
8.41.23
